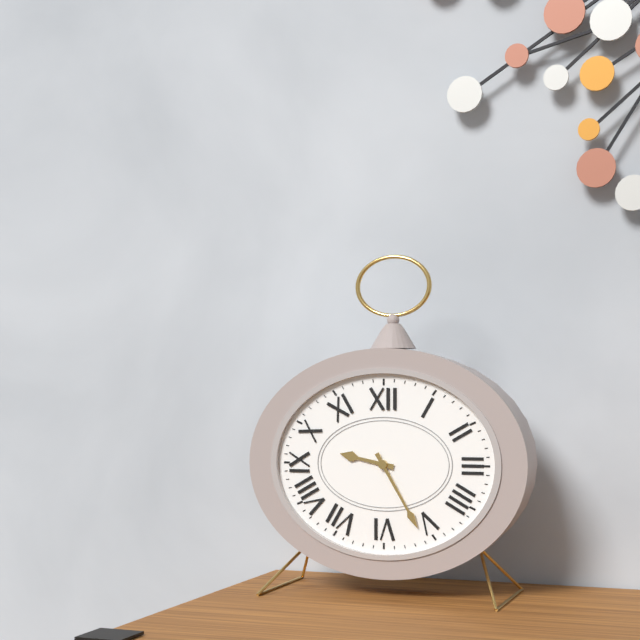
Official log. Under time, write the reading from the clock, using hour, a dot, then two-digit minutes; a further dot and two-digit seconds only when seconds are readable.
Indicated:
9.25
